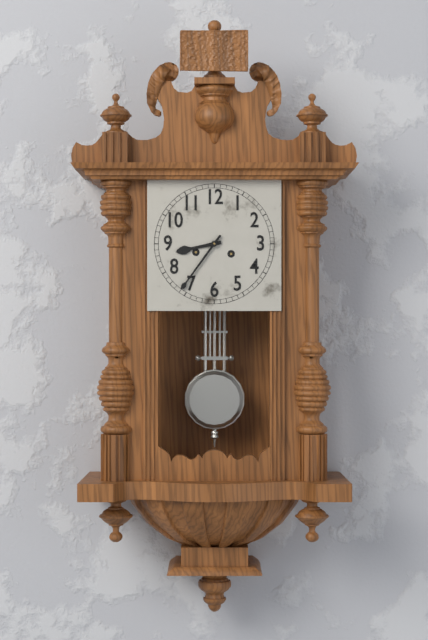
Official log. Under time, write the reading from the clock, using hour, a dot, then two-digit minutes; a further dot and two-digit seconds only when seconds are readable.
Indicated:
8.36
